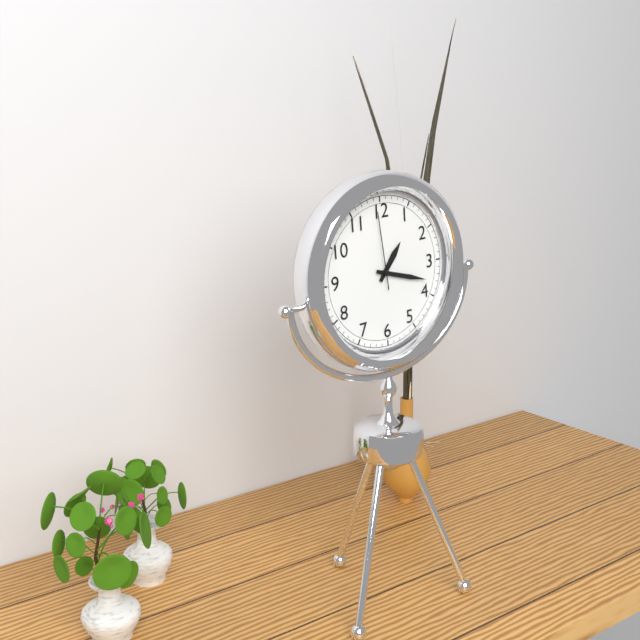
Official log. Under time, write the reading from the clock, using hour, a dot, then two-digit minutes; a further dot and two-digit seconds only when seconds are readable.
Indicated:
1.18.59
